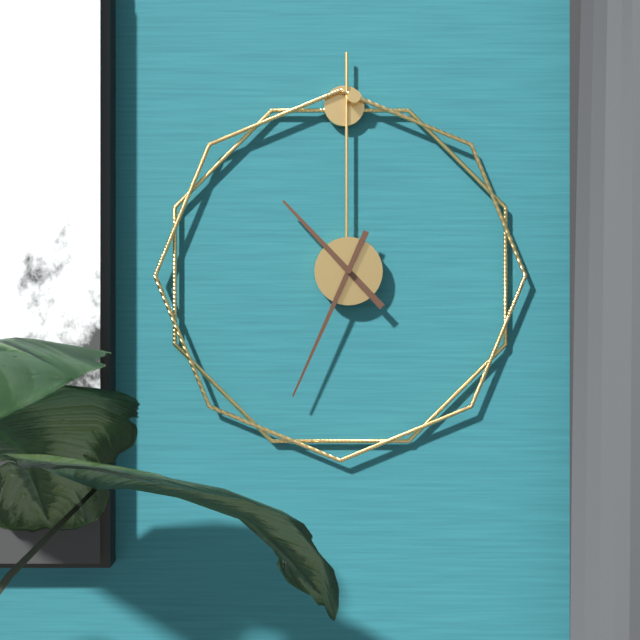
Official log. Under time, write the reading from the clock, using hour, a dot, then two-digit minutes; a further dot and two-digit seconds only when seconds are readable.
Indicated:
10.34
